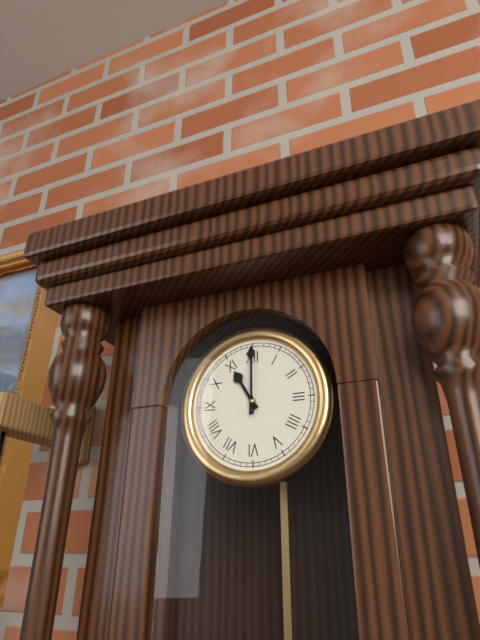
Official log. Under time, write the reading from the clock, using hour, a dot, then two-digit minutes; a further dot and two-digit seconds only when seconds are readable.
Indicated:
11.00
